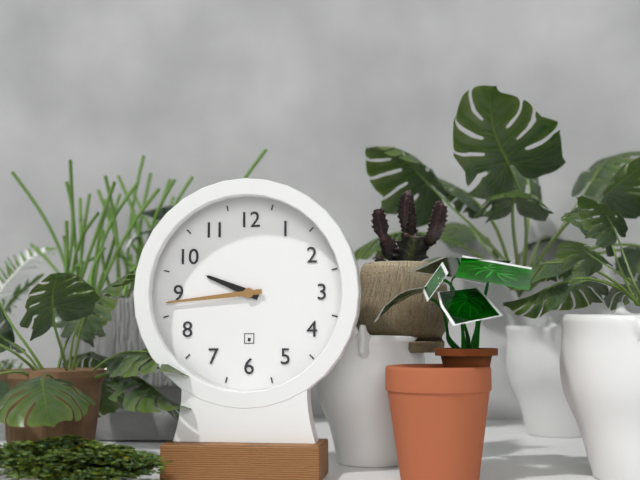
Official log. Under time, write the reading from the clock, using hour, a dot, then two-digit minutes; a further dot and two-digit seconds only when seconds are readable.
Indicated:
9.44
